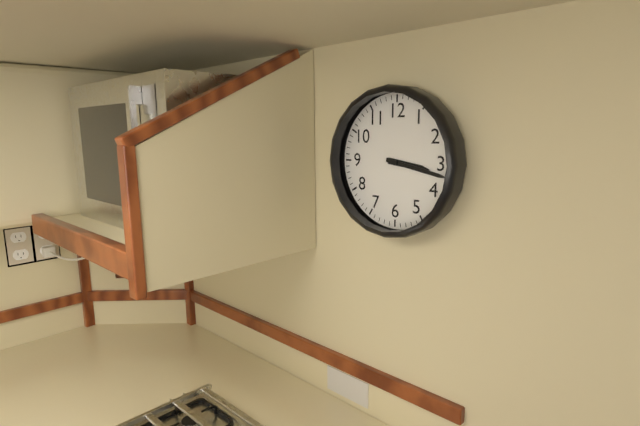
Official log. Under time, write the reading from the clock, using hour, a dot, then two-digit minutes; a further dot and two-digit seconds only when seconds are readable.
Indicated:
3.17
